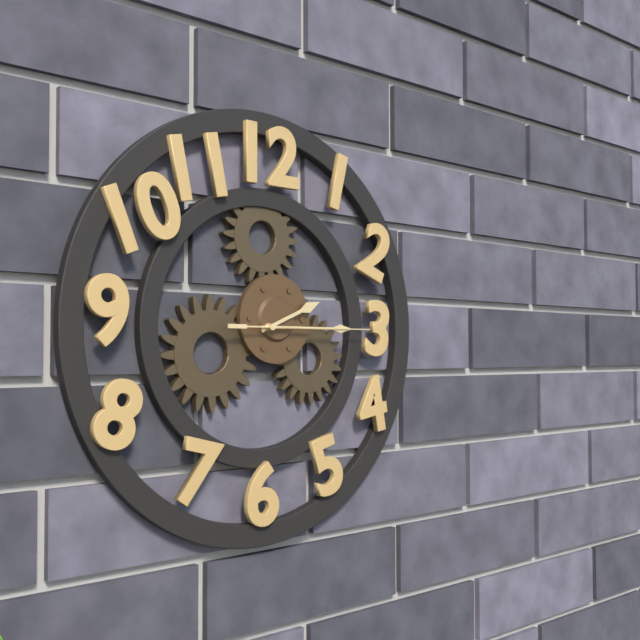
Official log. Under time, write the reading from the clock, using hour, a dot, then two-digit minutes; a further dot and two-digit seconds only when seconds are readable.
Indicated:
2.15.15
